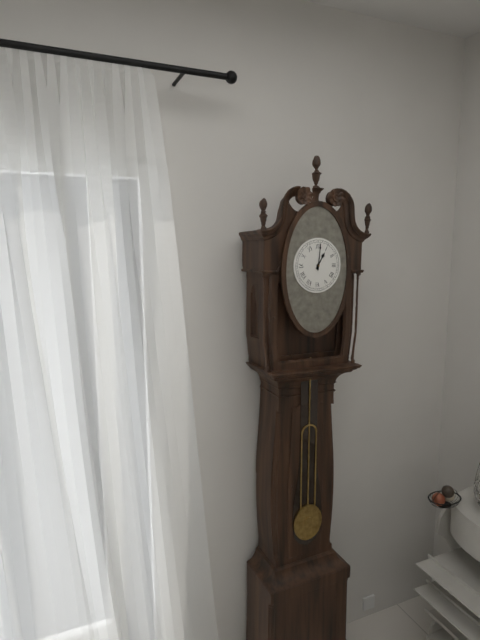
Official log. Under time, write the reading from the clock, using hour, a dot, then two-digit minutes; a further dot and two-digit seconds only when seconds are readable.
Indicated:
1.01
